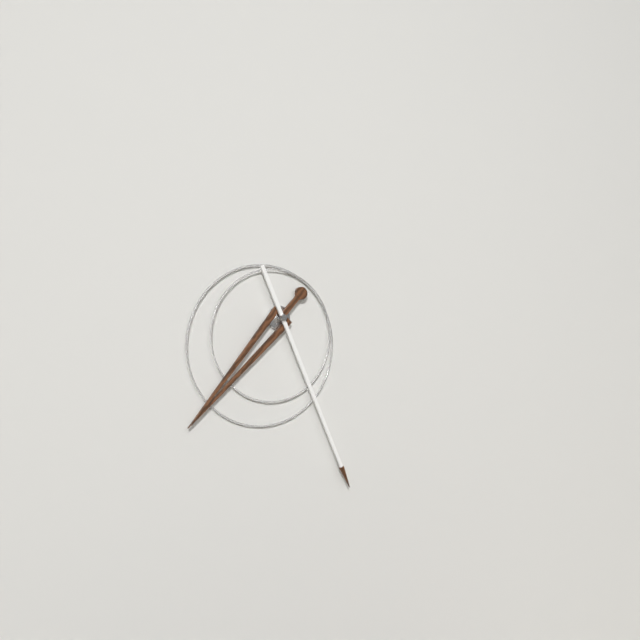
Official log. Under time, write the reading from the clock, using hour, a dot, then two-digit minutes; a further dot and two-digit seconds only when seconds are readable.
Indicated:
7.26
